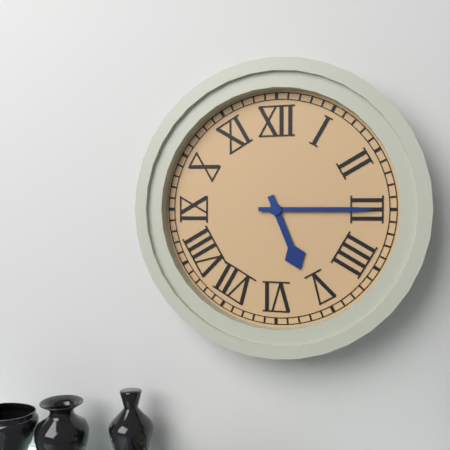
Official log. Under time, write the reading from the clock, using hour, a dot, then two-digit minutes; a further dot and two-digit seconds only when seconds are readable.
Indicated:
5.15
